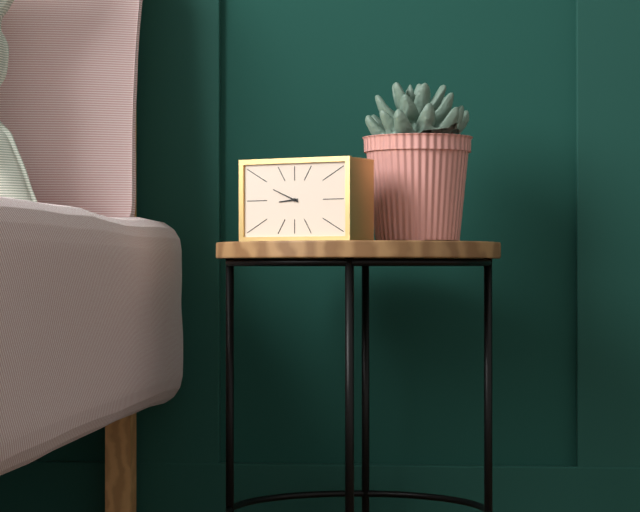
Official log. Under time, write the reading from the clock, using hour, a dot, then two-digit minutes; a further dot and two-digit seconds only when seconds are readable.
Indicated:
8.49
